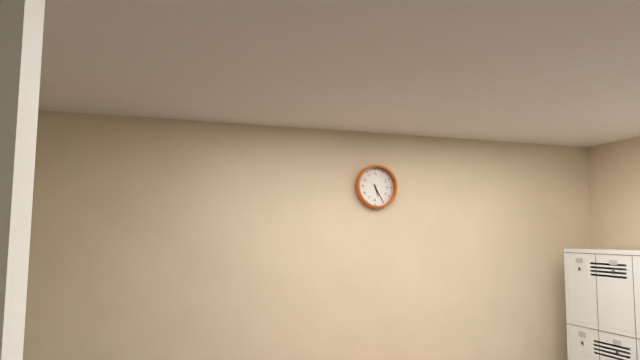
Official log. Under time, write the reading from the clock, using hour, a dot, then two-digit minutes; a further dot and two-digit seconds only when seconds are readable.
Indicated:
5.25
